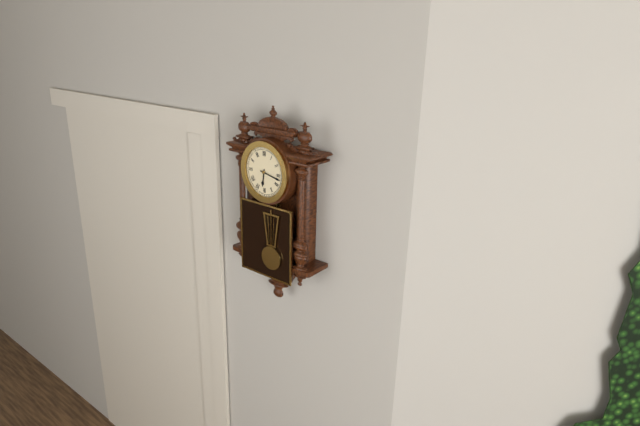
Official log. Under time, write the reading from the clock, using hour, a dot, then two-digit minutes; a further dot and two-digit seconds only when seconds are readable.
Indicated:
6.17
